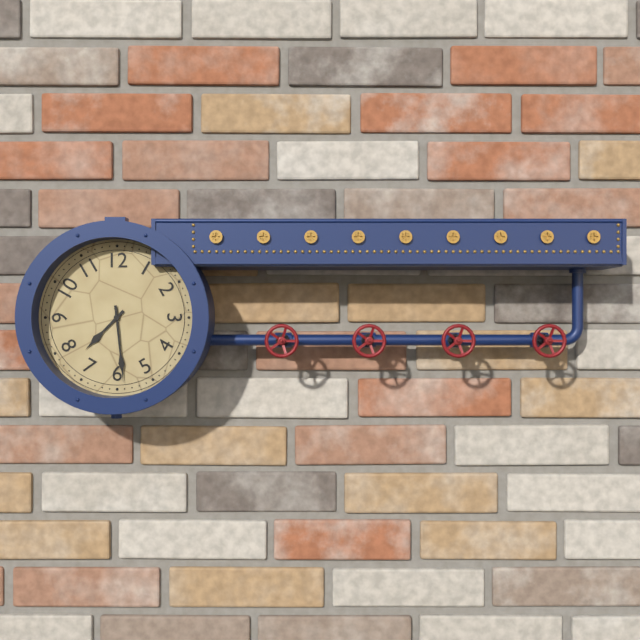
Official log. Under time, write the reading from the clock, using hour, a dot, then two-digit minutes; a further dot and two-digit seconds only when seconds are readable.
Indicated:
7.29
